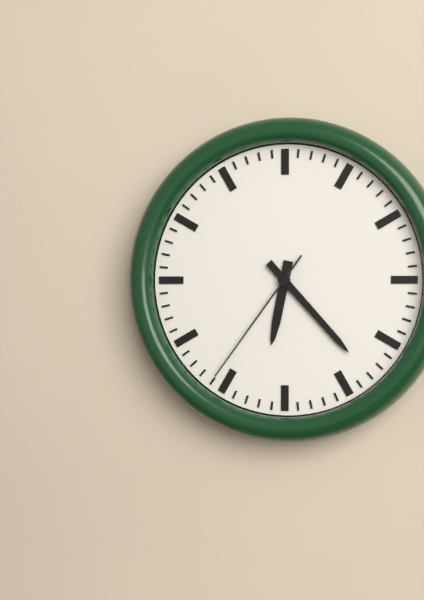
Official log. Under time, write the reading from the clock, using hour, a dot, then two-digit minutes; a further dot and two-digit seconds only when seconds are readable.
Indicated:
6.23.36
